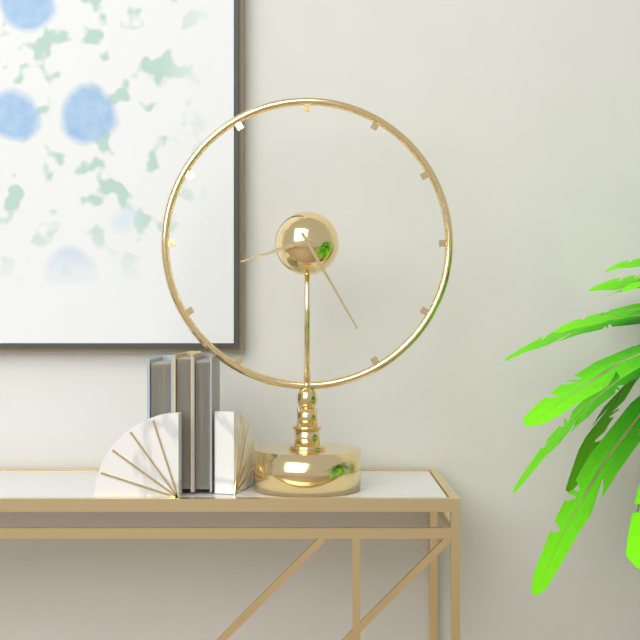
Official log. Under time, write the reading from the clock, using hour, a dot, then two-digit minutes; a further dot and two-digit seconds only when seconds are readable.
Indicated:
8.25
